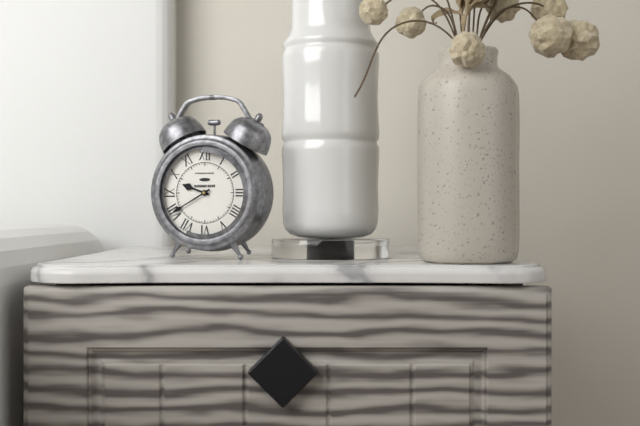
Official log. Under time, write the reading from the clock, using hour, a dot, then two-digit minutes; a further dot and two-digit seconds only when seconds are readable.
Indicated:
9.40
